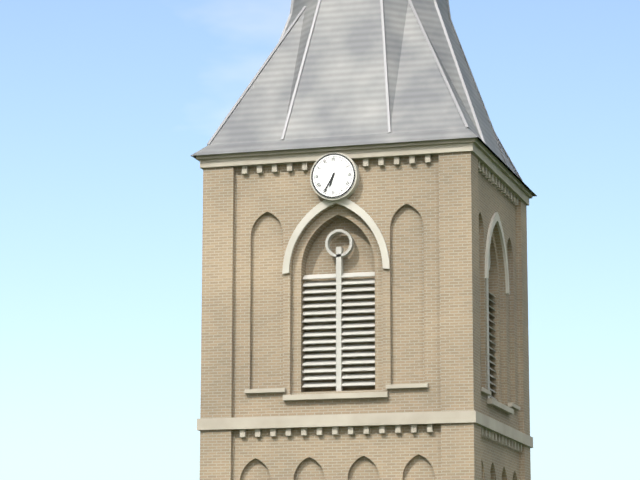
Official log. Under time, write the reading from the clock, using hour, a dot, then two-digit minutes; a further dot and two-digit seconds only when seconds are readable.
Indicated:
6.35
